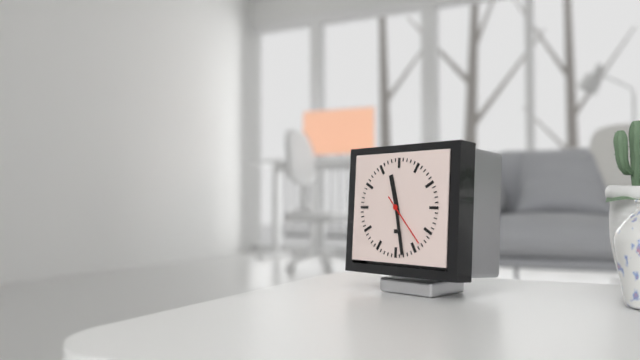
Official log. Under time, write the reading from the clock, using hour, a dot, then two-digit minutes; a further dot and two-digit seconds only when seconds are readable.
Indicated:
11.28.23
